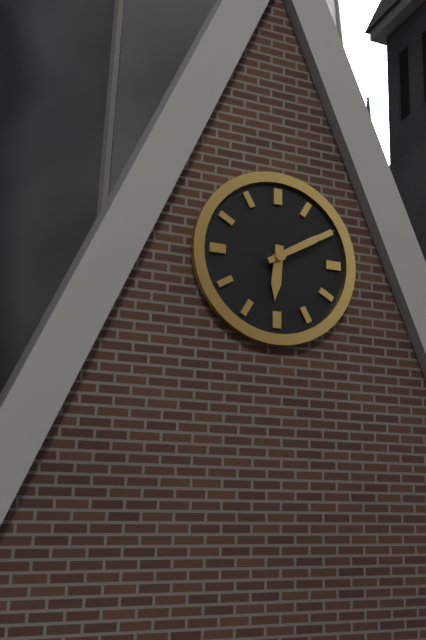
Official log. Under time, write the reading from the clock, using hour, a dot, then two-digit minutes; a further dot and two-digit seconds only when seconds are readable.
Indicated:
6.10
